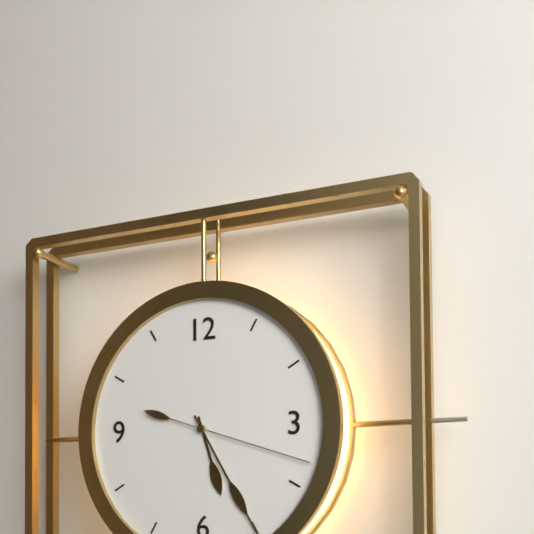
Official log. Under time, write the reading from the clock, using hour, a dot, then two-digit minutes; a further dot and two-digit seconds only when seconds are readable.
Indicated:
5.25.18
